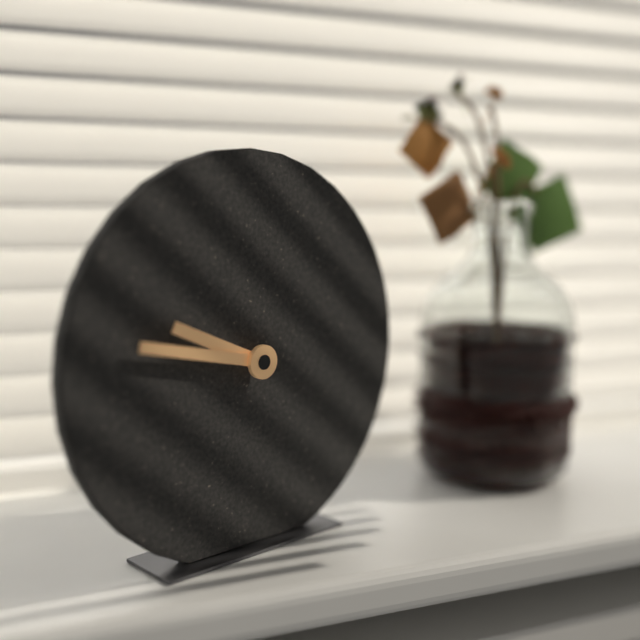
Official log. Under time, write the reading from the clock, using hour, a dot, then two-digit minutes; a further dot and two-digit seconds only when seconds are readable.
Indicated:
9.47
